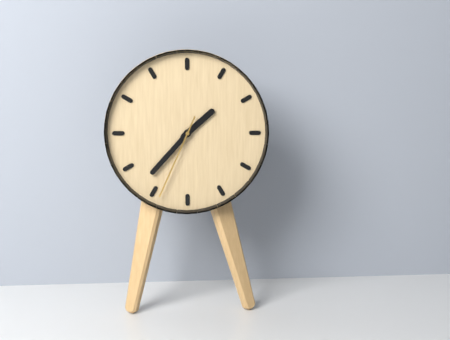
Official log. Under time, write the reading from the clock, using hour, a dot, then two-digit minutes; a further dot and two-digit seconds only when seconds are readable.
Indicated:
1.37.34
